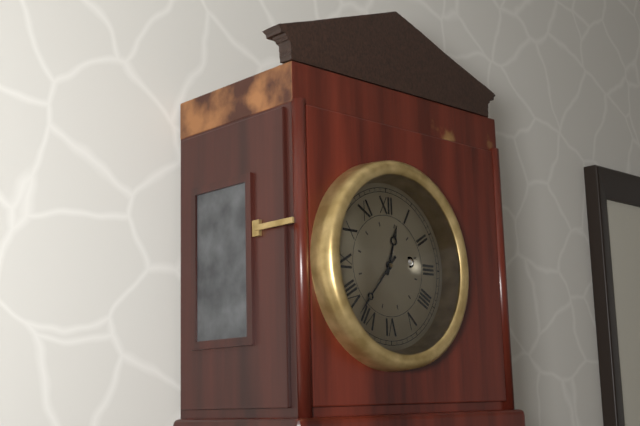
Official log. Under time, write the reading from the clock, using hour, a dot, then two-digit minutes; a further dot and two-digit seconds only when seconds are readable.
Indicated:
12.37
